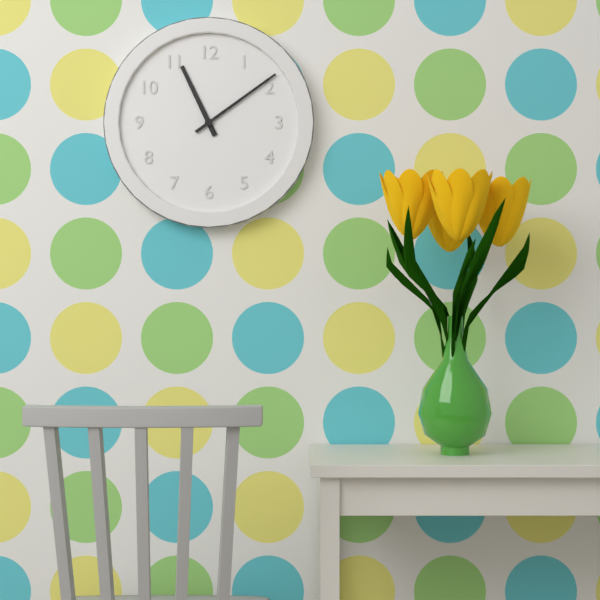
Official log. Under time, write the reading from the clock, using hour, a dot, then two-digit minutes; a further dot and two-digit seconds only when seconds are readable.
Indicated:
11.09
